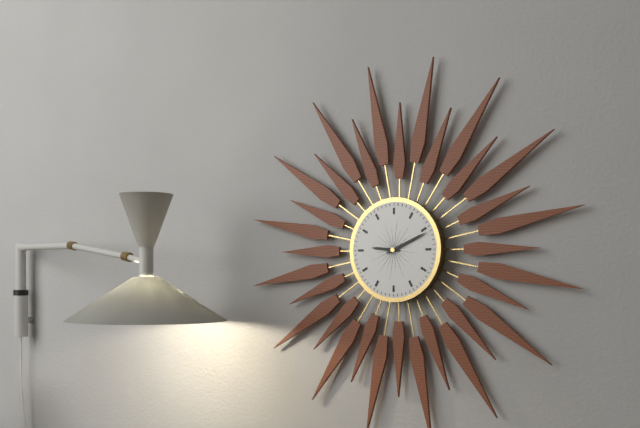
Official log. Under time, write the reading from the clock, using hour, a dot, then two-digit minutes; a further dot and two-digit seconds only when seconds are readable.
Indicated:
9.11
